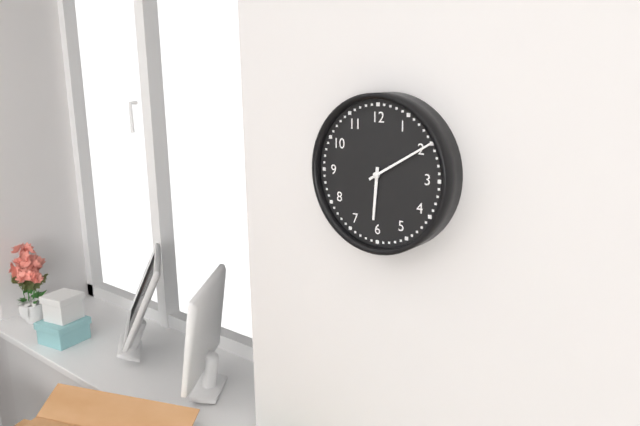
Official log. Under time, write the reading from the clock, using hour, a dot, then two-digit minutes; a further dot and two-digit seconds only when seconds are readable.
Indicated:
6.10
